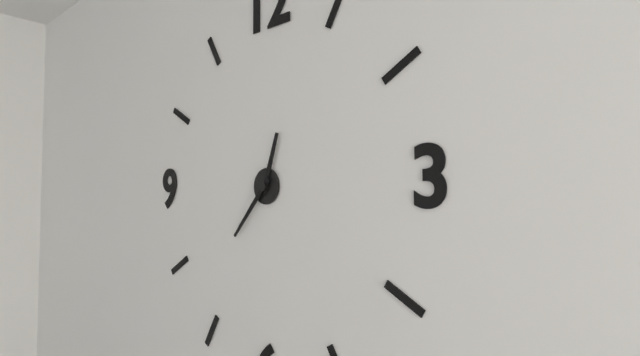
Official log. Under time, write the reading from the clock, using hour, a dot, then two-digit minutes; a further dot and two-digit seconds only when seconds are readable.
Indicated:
12.37
